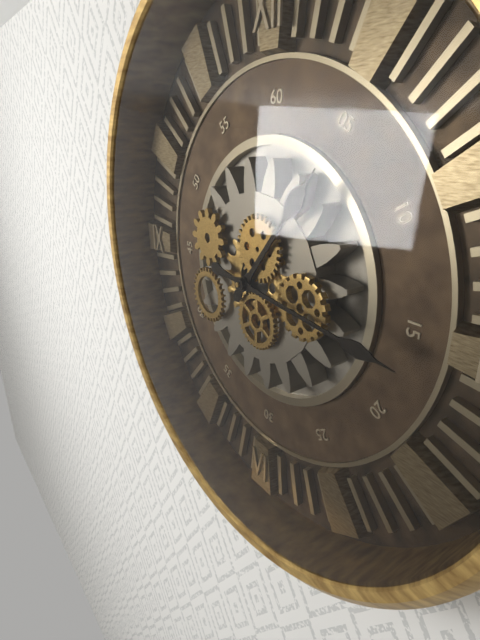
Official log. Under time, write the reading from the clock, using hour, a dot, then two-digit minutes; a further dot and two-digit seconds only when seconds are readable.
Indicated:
1.16
